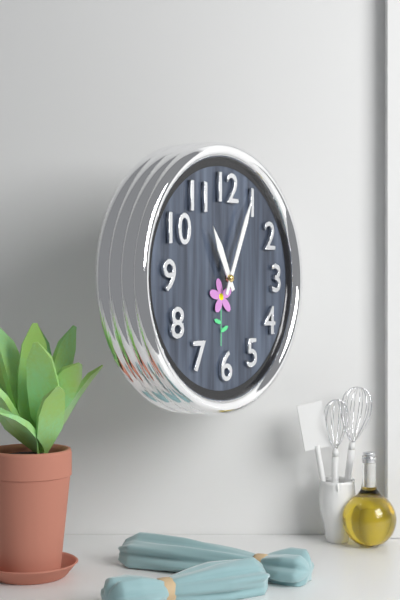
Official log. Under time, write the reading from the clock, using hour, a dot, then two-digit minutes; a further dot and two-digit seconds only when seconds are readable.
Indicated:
11.04
